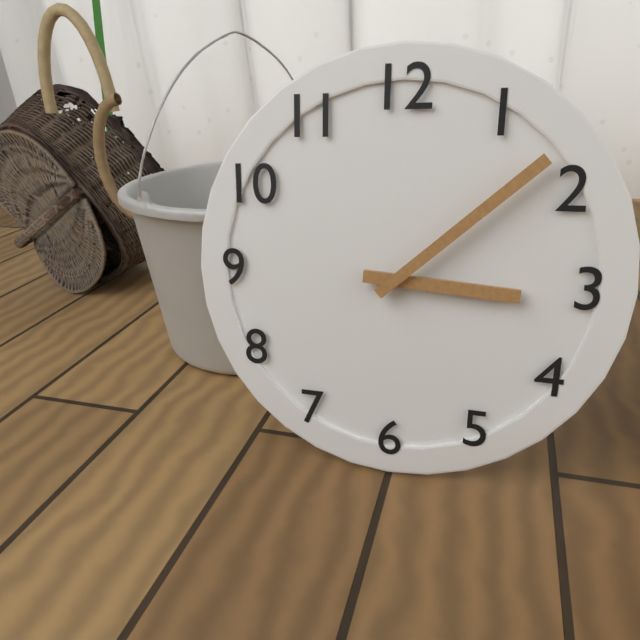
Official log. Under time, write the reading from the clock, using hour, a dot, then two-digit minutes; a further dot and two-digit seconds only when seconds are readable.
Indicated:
3.08
